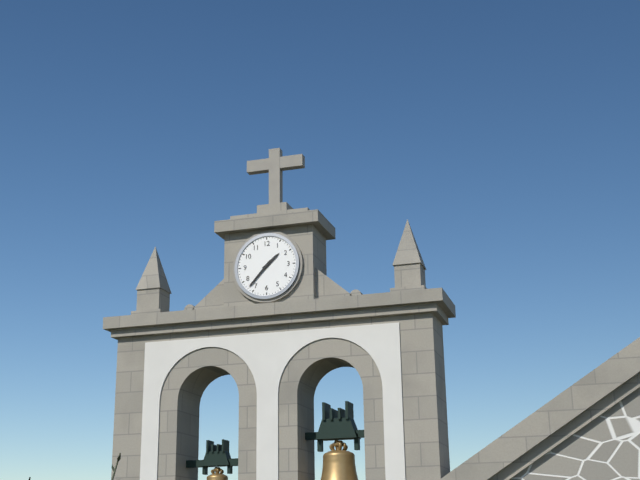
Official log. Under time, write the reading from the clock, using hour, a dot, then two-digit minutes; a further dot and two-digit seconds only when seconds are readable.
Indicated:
1.37
